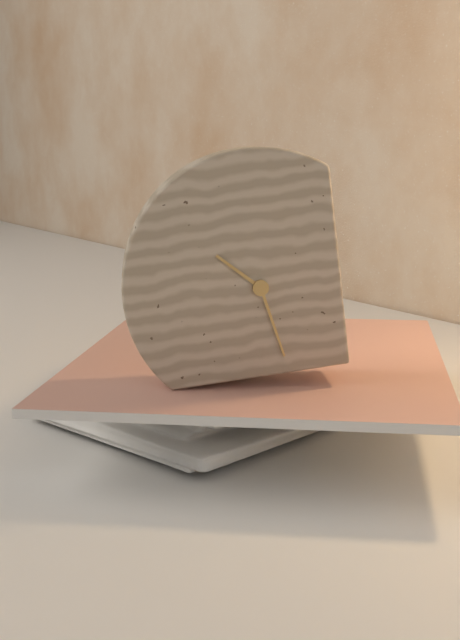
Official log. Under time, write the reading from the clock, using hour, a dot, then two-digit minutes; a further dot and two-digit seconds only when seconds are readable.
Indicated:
10.28
